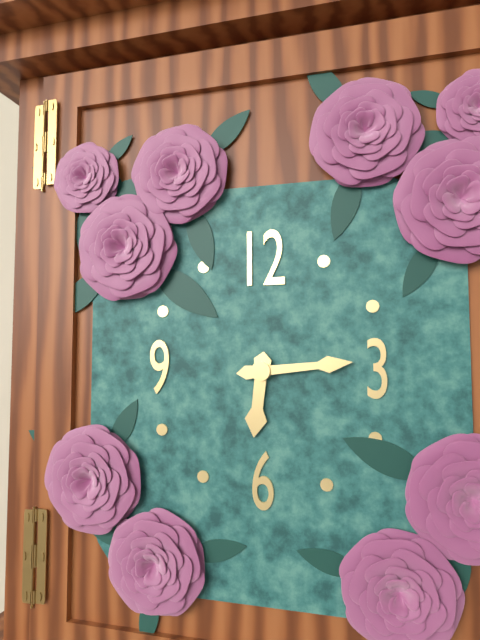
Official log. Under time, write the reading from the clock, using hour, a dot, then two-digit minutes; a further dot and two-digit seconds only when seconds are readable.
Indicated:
6.14
